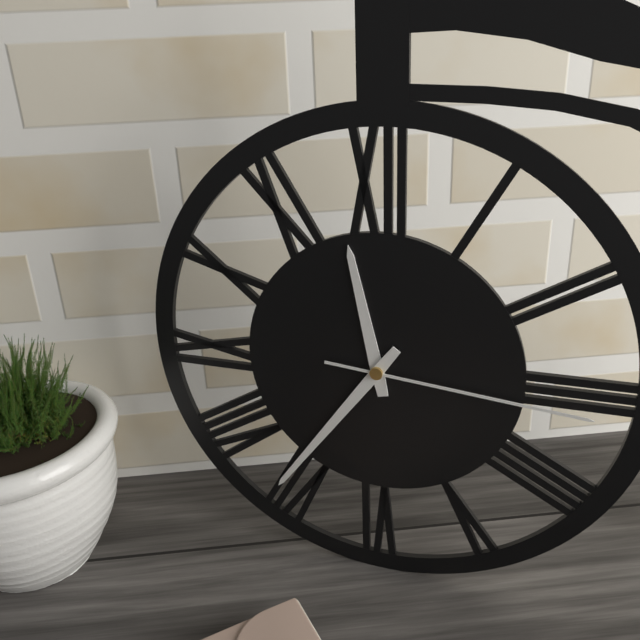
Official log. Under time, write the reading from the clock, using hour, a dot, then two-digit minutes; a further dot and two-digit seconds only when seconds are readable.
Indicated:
11.36.16
